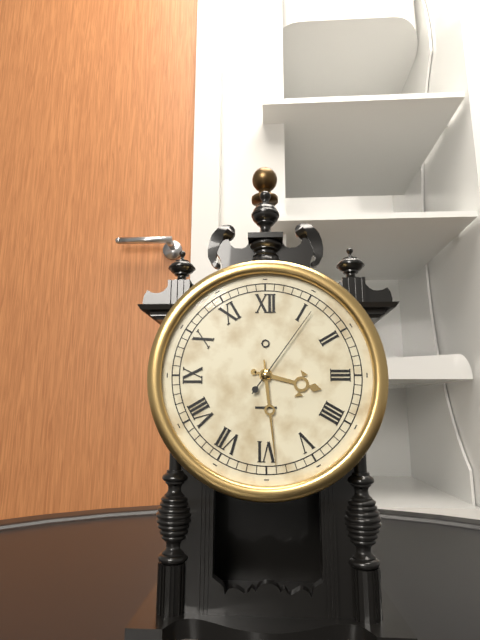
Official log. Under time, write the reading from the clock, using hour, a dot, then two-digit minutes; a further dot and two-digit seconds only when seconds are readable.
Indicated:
3.29.06
